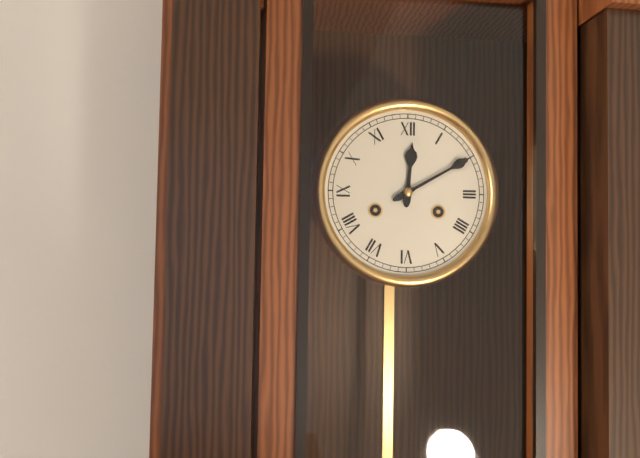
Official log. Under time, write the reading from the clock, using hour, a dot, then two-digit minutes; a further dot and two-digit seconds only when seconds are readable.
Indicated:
12.10
